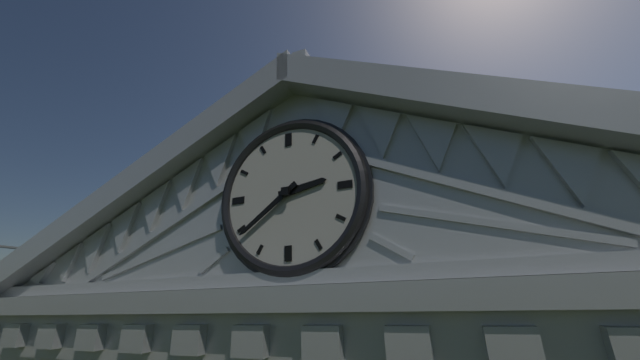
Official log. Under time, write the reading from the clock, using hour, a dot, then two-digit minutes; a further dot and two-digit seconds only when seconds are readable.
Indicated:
2.39
